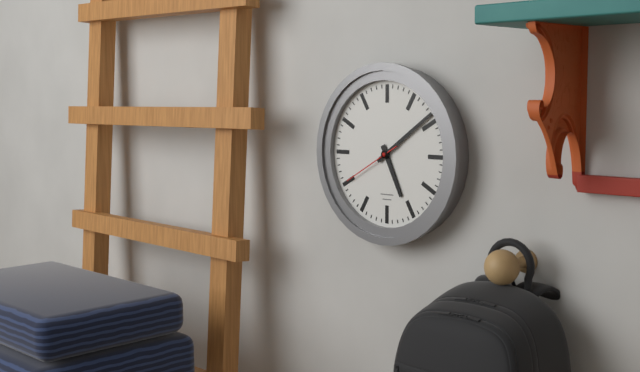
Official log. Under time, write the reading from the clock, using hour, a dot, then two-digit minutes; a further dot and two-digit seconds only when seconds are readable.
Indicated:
5.09.40
